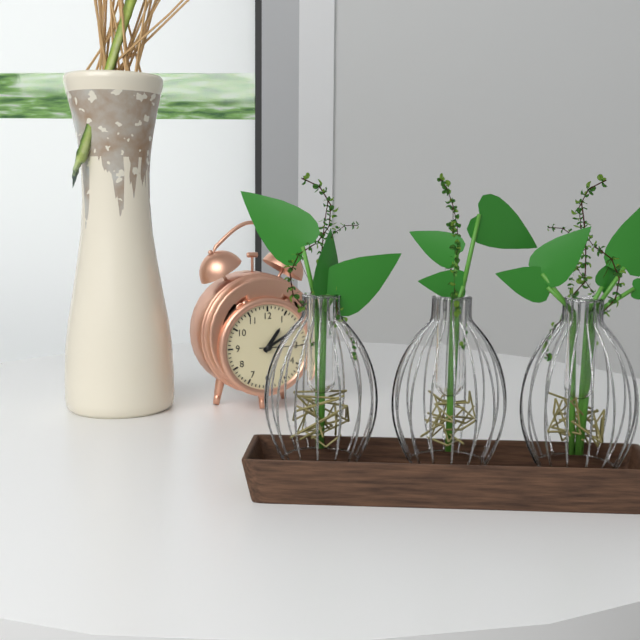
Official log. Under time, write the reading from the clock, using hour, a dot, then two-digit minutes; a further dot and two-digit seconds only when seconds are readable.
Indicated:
1.10
